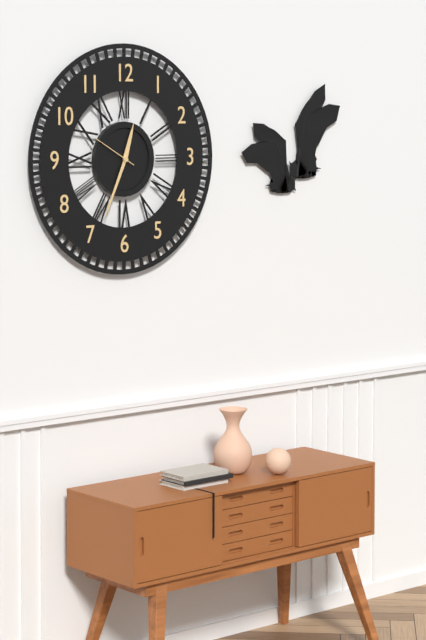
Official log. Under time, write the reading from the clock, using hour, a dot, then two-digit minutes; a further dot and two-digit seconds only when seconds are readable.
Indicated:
12.34
